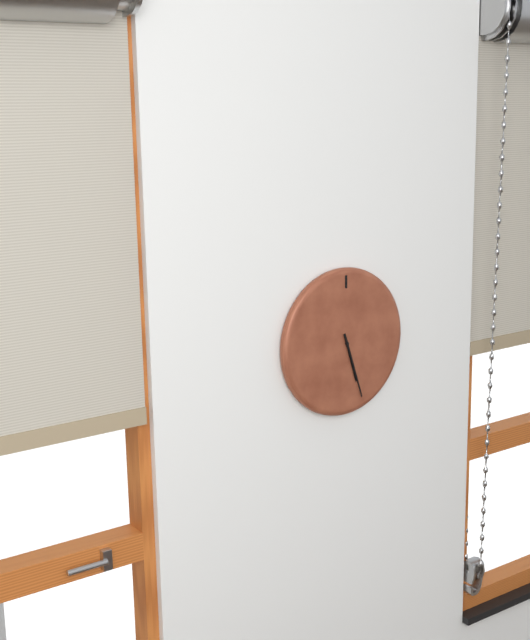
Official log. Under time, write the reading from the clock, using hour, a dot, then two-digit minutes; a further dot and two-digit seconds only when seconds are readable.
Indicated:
5.27
